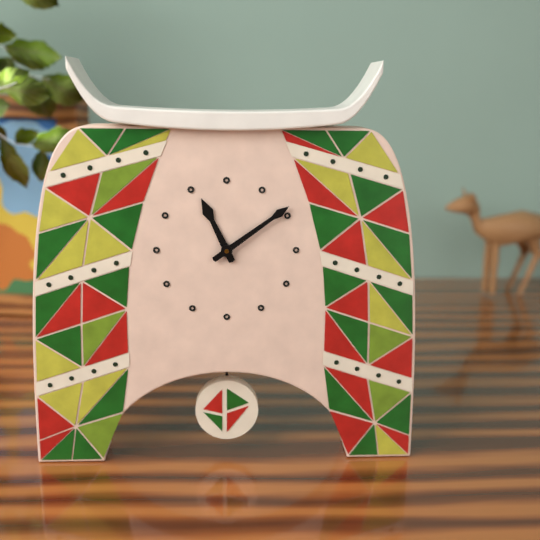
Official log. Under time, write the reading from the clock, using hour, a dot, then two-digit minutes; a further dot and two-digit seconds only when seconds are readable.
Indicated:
11.09
